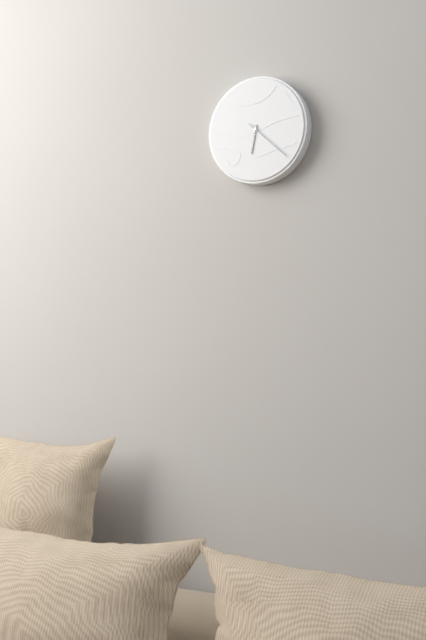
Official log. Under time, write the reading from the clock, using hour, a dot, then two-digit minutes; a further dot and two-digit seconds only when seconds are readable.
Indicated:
6.22
